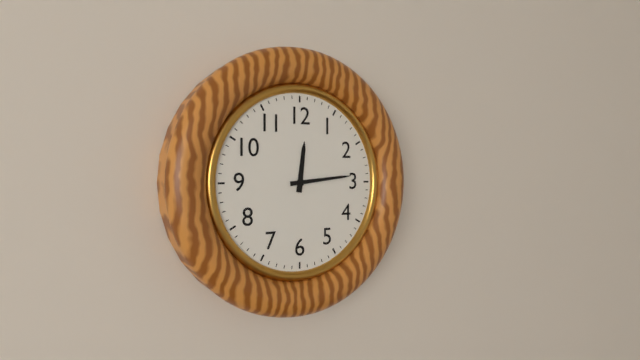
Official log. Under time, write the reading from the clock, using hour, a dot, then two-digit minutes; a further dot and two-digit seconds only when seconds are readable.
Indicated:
12.14
